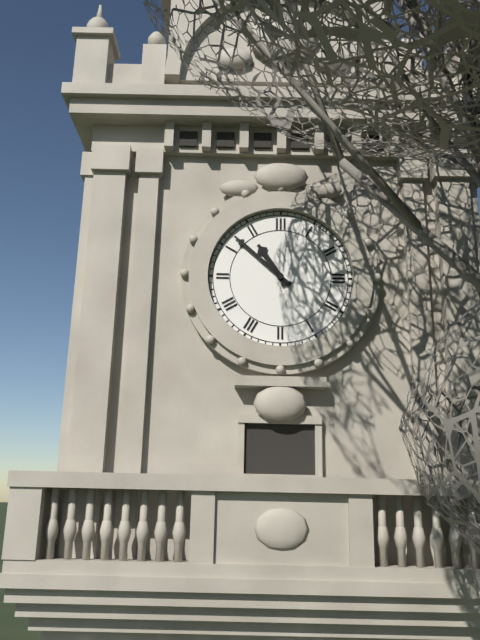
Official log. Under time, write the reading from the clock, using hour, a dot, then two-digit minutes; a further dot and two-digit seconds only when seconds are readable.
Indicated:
10.52
